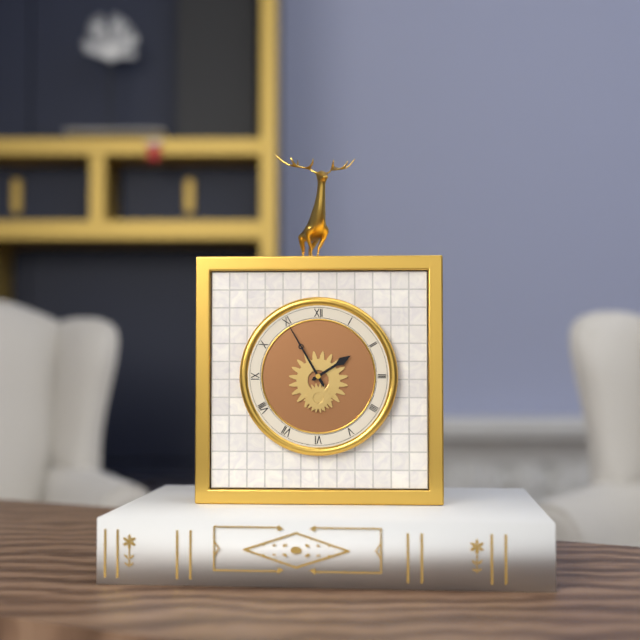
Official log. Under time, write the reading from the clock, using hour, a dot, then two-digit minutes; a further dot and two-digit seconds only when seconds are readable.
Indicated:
1.55
